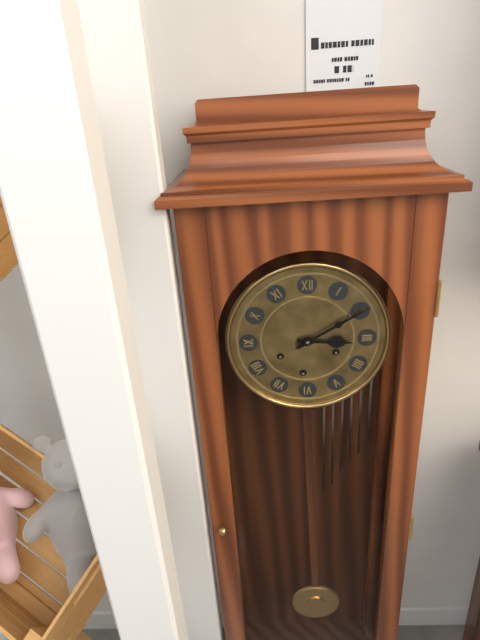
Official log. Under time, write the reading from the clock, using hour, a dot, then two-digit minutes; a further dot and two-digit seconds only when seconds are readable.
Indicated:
3.10
